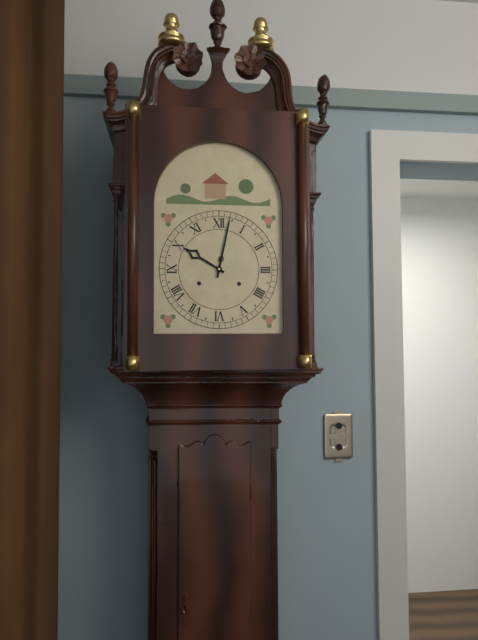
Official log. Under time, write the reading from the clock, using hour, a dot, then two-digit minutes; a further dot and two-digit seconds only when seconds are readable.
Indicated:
10.02
